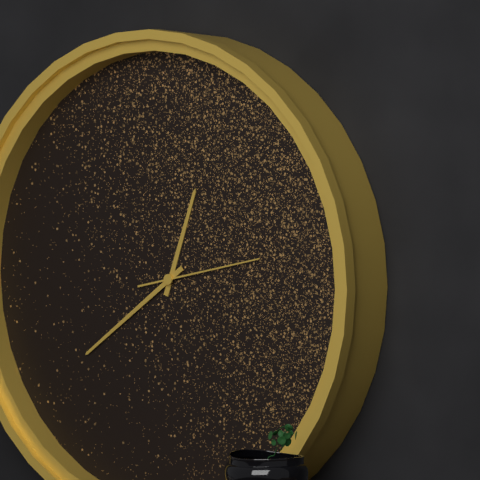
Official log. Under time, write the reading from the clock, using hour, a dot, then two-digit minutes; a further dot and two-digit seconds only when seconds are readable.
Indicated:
12.39.13
